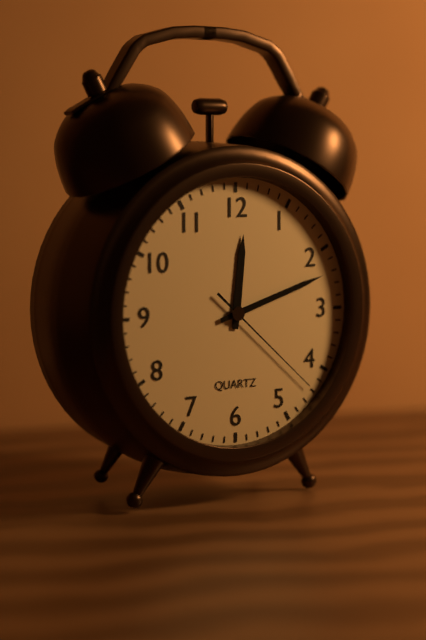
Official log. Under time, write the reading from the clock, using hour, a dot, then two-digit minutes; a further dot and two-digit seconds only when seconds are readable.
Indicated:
12.12.22
